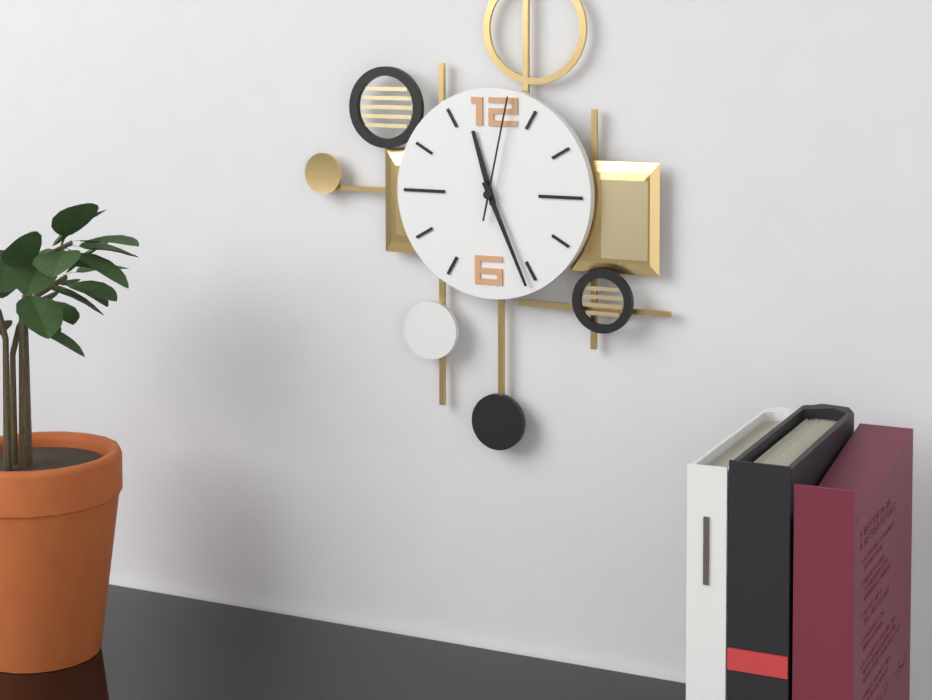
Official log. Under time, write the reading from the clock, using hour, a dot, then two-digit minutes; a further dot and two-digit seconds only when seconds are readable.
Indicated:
11.26.02
